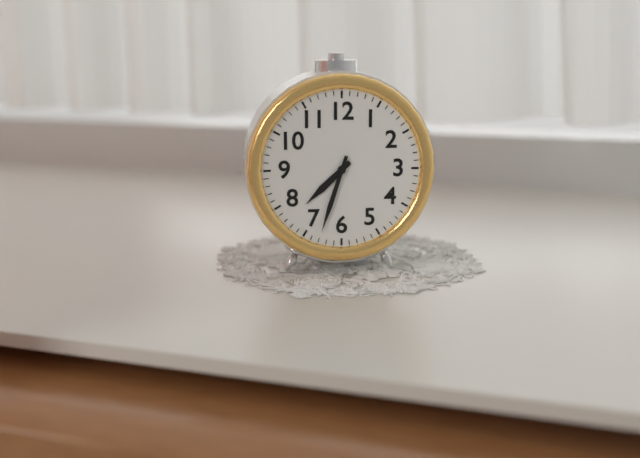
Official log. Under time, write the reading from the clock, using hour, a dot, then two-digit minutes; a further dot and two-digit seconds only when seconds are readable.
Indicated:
7.33
